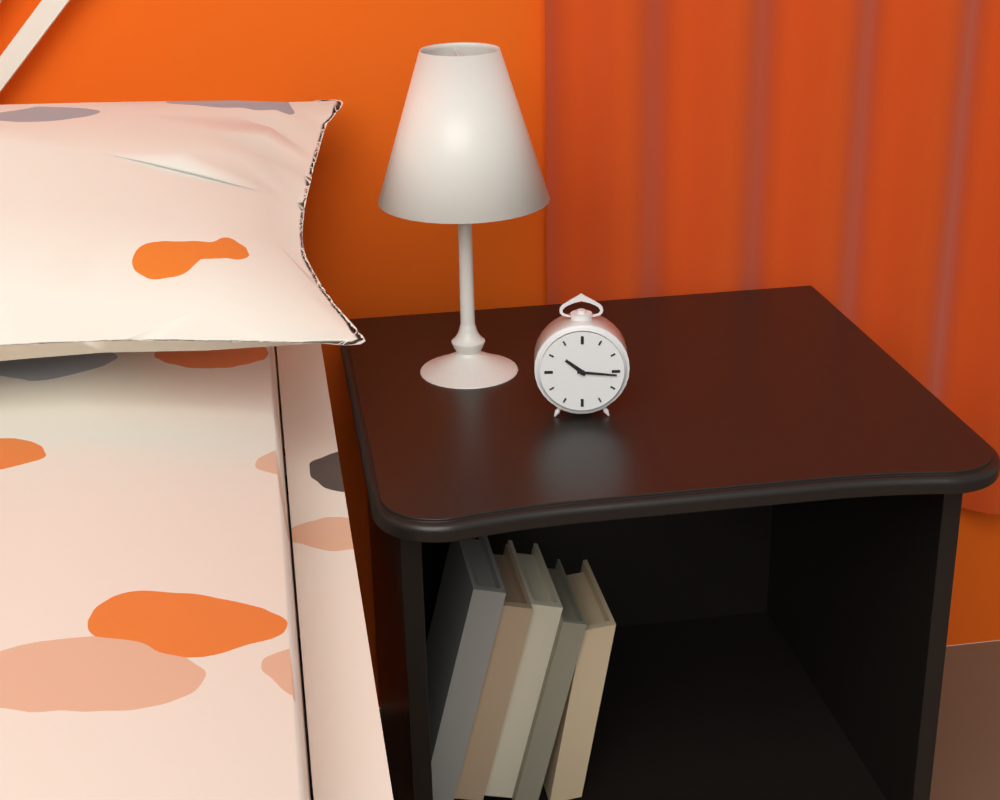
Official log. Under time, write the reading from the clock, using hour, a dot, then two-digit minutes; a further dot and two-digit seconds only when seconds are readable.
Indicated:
10.16
